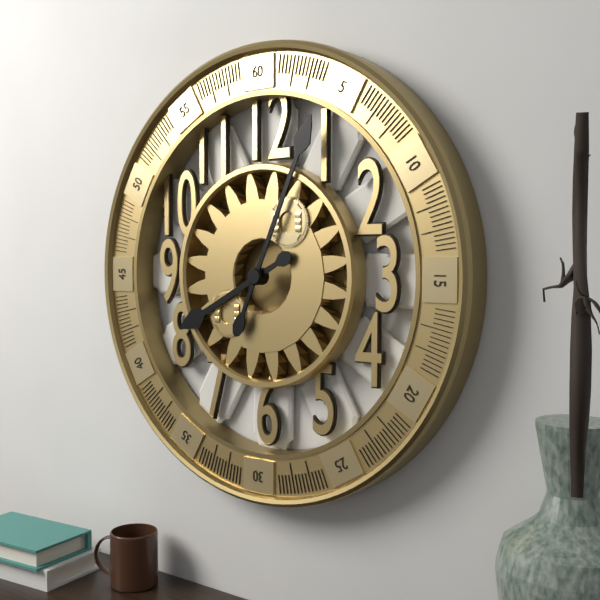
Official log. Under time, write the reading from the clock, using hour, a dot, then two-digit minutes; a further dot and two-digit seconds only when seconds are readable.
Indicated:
8.04
